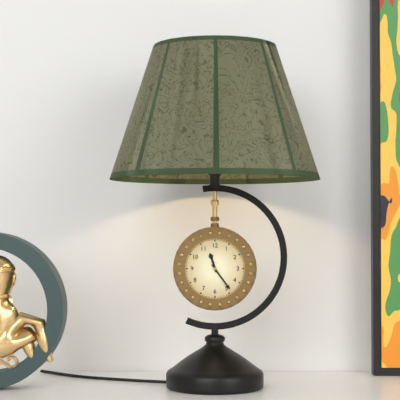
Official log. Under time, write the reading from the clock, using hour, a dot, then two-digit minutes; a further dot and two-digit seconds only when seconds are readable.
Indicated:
11.24
